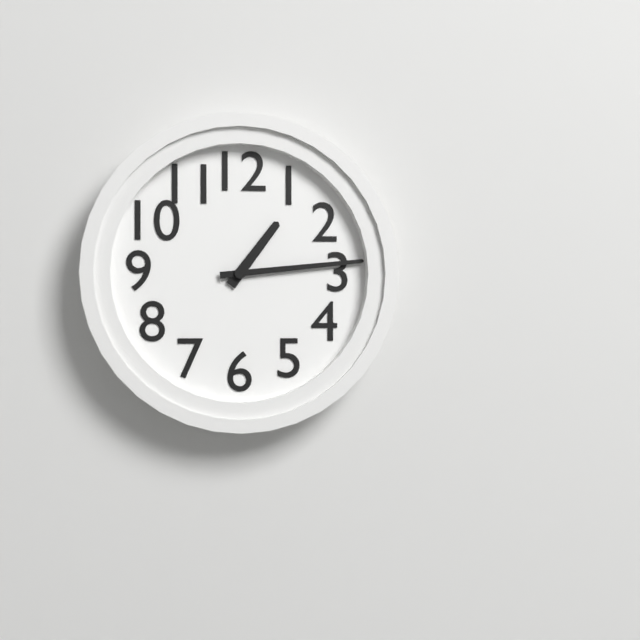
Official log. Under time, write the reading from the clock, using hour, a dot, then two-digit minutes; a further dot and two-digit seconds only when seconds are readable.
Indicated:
1.14
